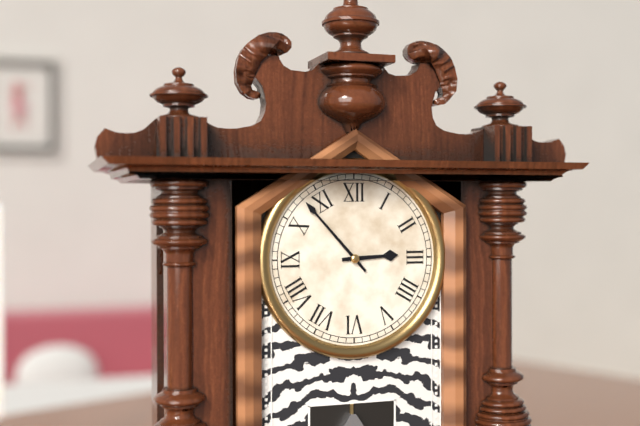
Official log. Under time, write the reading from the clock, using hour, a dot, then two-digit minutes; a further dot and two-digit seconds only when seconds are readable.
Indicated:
2.53
